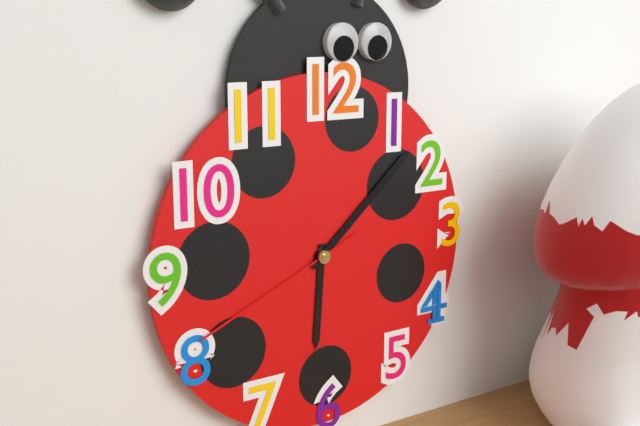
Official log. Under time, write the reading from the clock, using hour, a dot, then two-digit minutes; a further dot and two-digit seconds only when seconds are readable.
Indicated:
6.08.41
